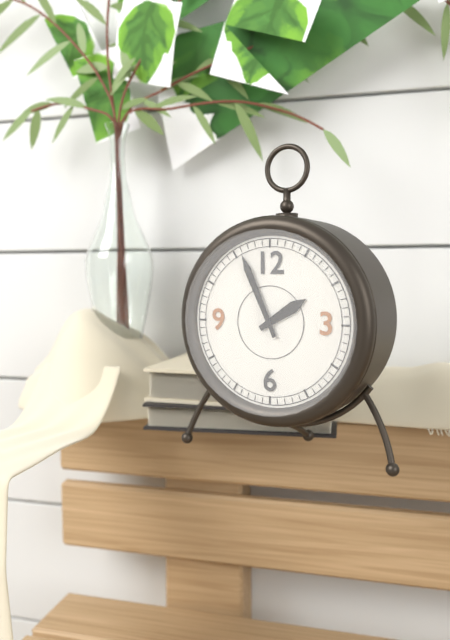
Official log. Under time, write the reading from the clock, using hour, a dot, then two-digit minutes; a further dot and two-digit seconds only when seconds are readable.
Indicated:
1.56
